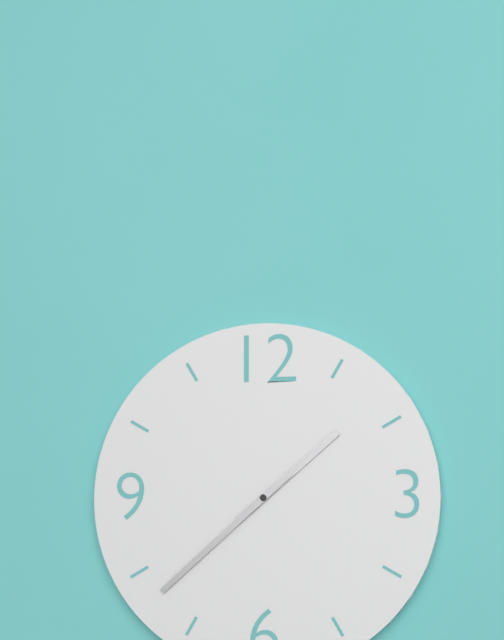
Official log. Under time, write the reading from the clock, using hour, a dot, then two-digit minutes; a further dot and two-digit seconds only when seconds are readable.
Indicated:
1.38
